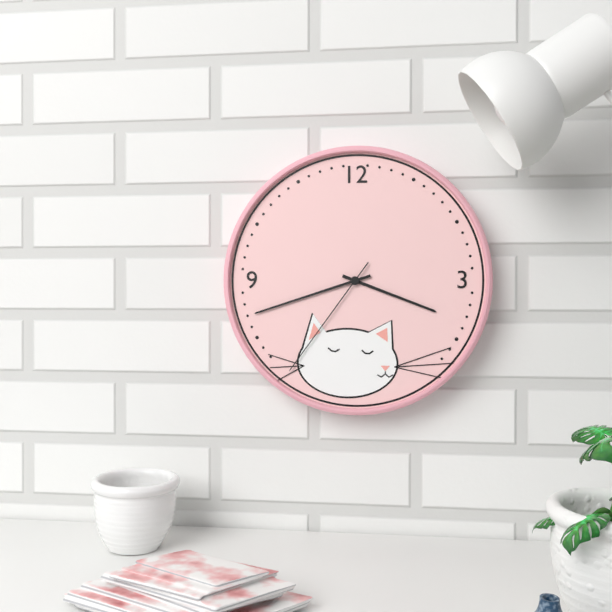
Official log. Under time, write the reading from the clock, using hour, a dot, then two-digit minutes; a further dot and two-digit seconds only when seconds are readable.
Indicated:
3.42.36
